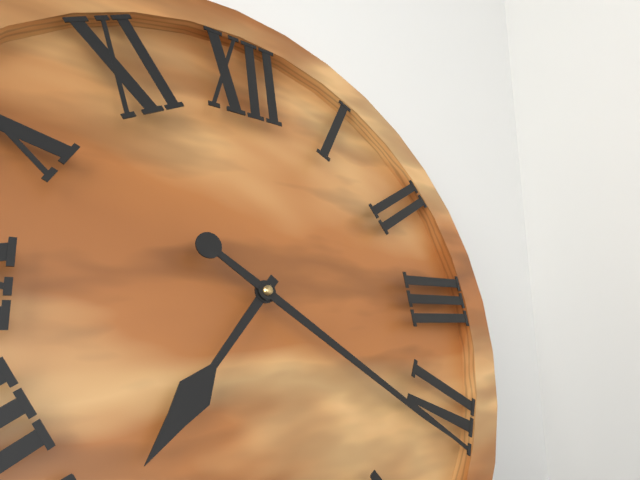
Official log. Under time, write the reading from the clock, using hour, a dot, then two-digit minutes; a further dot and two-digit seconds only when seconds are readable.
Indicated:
7.21
